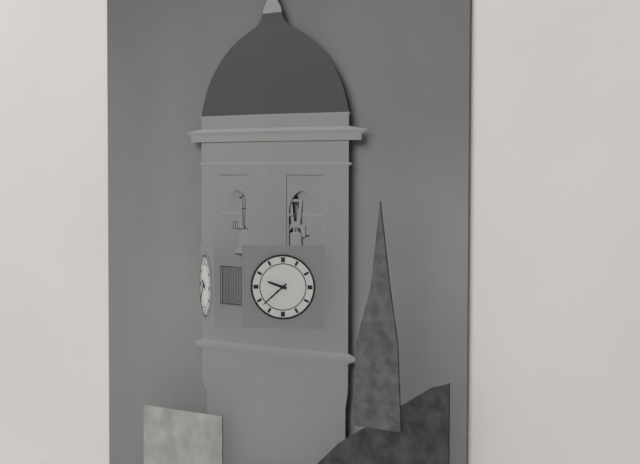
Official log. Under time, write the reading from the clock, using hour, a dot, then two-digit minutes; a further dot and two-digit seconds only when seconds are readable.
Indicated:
9.38
